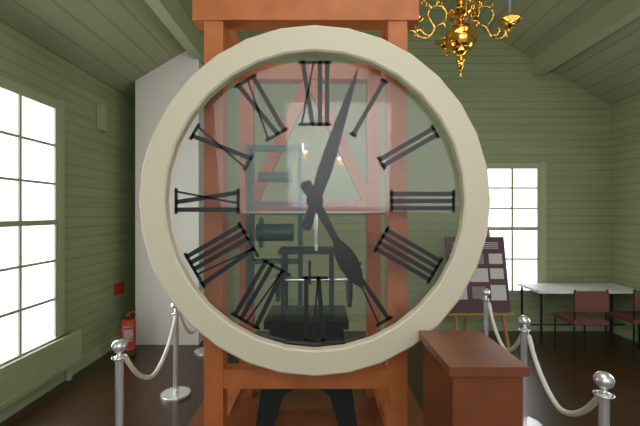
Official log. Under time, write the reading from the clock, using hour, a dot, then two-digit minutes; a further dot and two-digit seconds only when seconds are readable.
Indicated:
5.03
